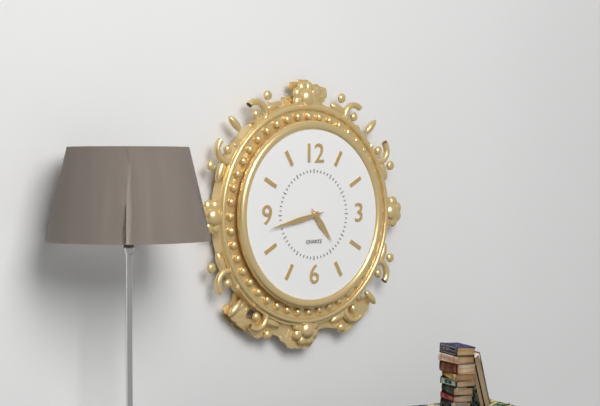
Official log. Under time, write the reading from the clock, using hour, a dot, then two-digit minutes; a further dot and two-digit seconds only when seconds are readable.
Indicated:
4.43
